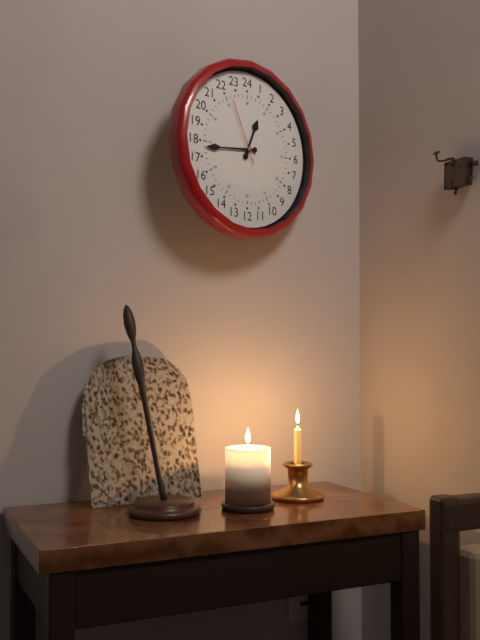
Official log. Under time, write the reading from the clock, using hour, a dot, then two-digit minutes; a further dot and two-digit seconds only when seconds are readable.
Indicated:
12.44.56
